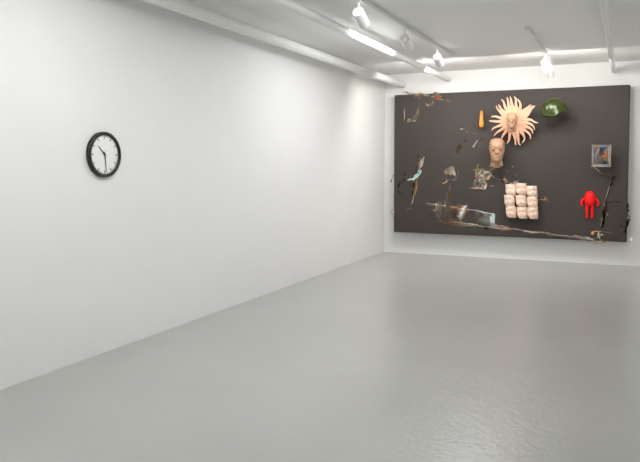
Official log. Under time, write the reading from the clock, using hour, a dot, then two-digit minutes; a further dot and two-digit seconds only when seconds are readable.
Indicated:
10.29
